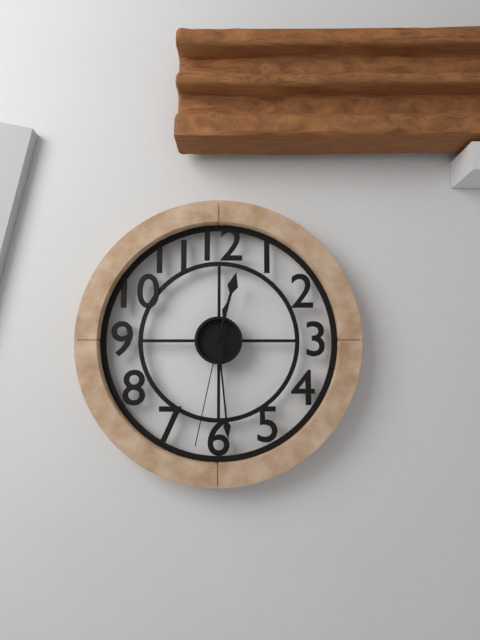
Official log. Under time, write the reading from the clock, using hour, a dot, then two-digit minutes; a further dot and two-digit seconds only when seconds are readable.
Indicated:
12.29.32
